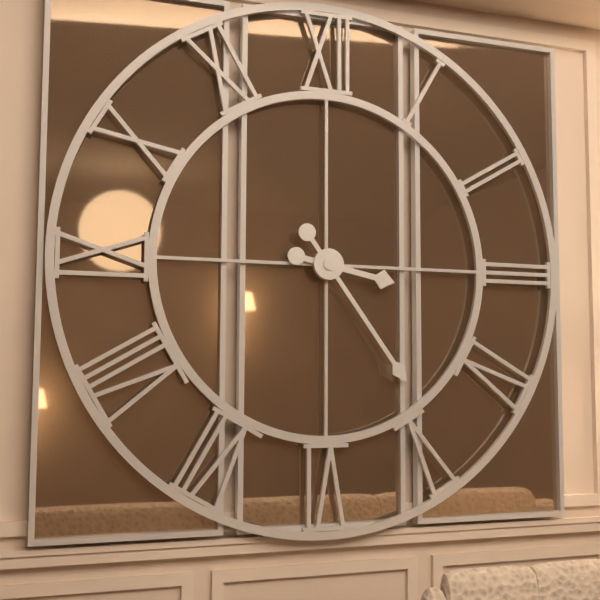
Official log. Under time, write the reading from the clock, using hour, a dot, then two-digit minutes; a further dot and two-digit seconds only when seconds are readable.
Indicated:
3.24
